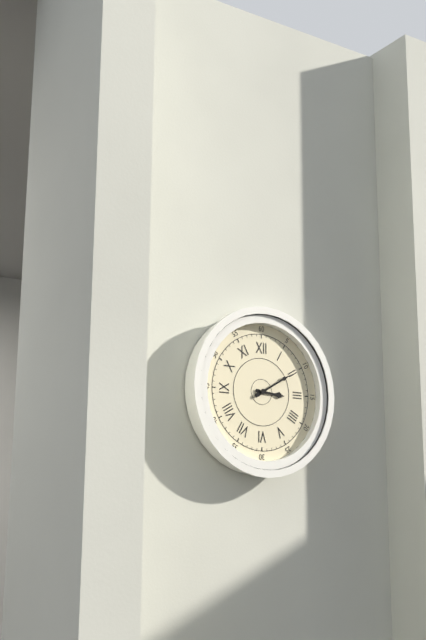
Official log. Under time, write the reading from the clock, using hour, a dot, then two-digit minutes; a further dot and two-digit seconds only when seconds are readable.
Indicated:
3.10
